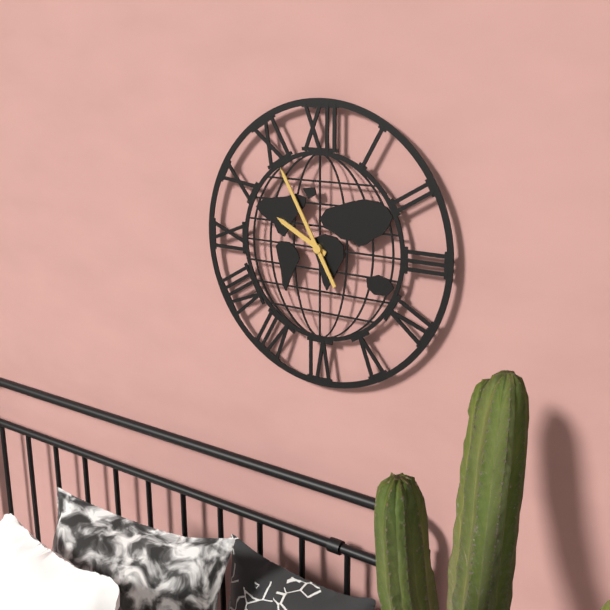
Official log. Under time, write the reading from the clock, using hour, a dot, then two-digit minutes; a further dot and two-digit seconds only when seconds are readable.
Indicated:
9.55
